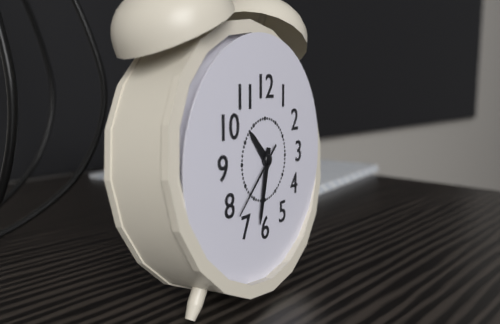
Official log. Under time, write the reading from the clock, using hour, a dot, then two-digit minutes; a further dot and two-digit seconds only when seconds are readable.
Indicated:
10.32.38
